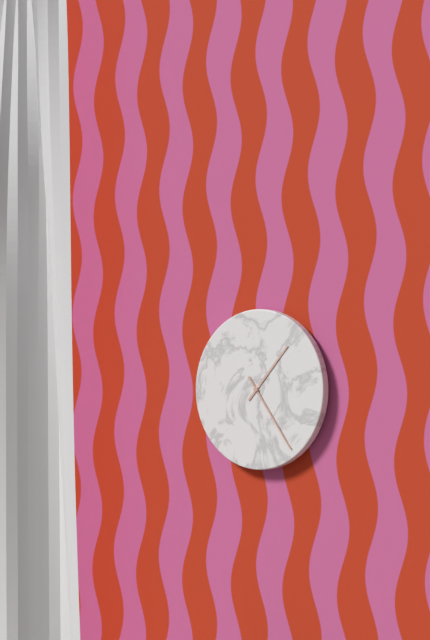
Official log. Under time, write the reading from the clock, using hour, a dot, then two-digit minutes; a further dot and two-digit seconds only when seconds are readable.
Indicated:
1.24
